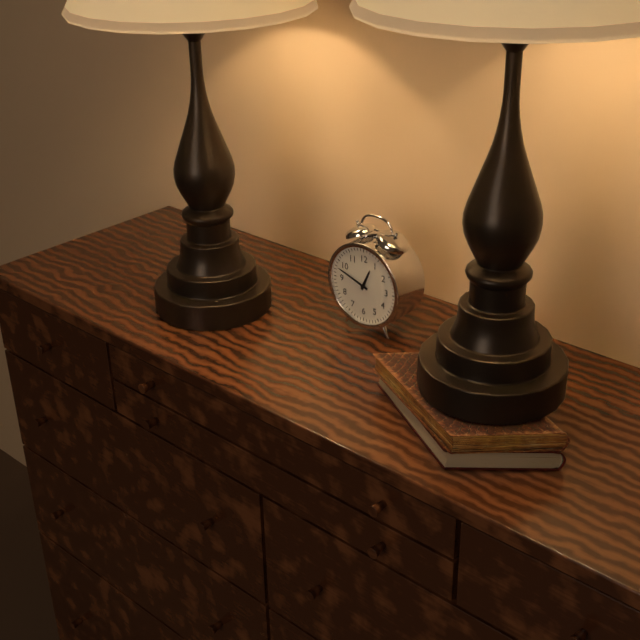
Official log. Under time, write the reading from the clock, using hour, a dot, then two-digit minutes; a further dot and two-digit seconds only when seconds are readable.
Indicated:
12.48
